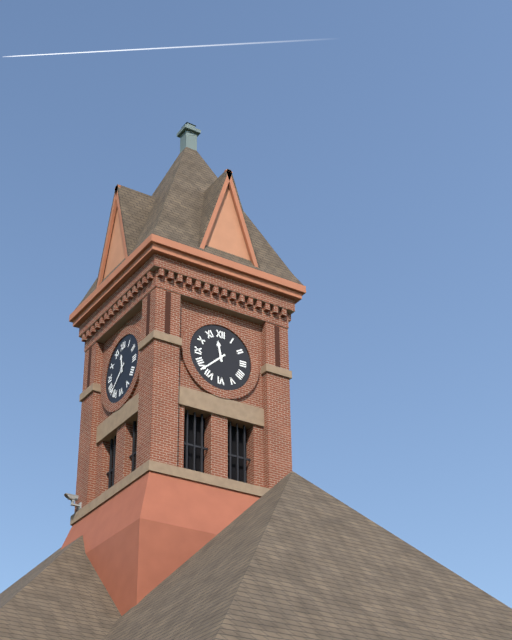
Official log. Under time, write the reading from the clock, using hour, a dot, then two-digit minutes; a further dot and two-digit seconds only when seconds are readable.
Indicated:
11.38
